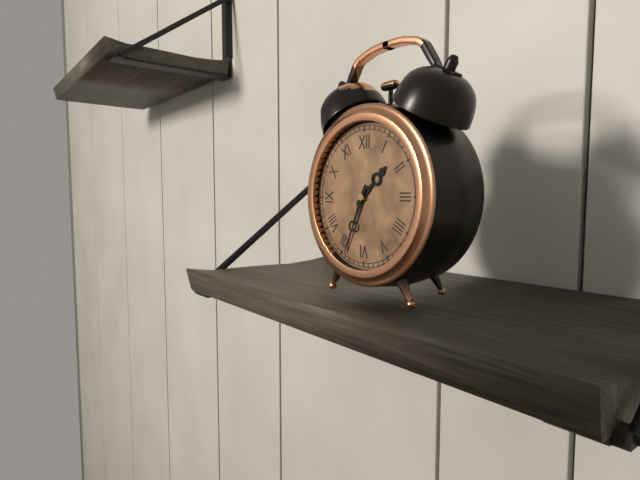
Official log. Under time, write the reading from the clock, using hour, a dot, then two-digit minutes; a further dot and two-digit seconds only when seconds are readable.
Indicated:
1.34
